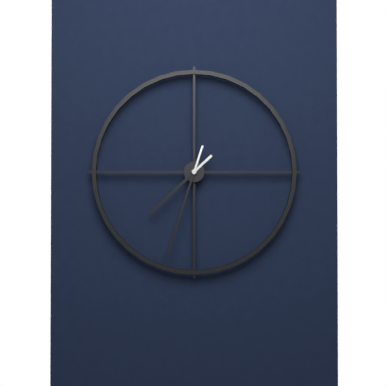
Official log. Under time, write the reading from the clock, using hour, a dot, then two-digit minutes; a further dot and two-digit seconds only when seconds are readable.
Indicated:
7.33
